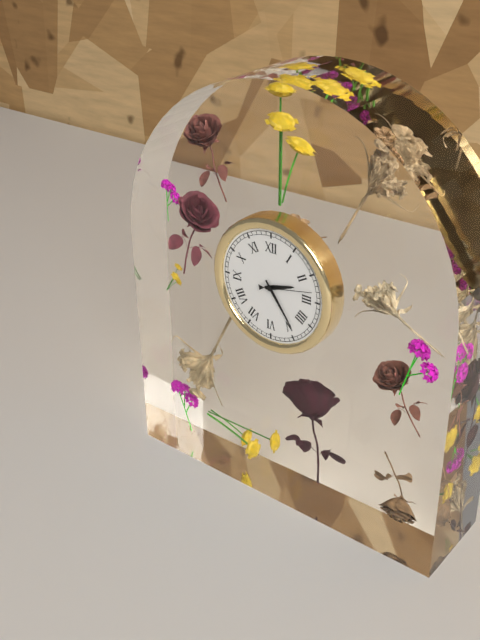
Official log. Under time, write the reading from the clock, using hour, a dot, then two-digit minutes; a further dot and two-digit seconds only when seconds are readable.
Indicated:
2.24.13
